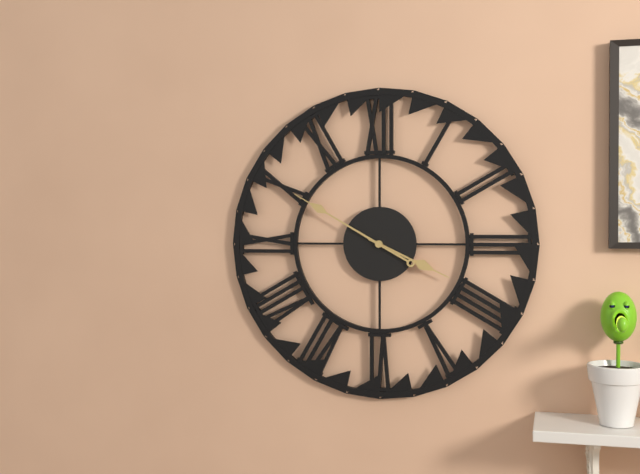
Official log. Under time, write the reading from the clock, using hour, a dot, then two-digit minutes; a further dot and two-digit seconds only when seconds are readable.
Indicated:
3.50
